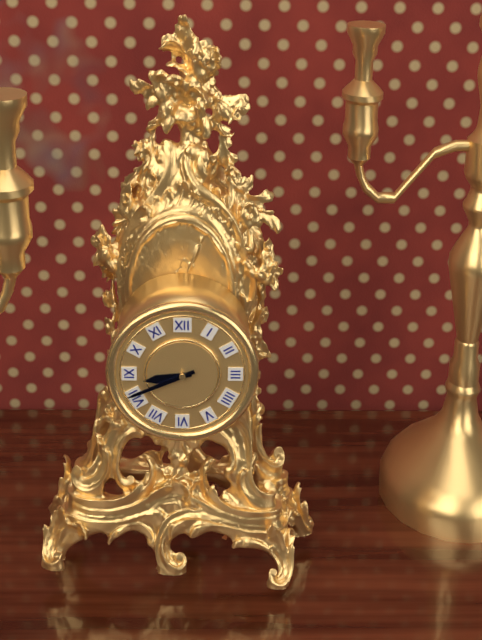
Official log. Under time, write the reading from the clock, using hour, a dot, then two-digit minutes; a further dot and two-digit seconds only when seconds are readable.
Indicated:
8.41
